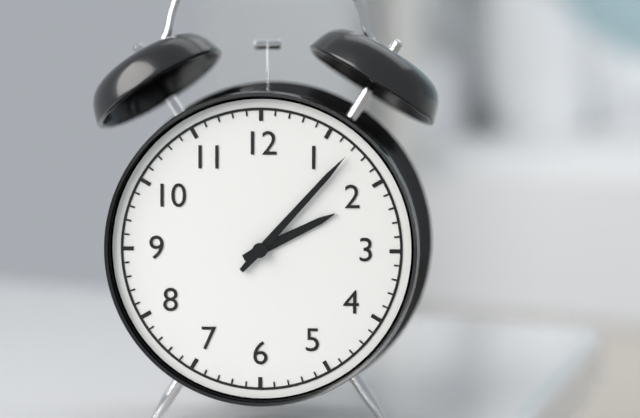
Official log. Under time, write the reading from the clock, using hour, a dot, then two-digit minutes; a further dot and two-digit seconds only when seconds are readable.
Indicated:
2.07
